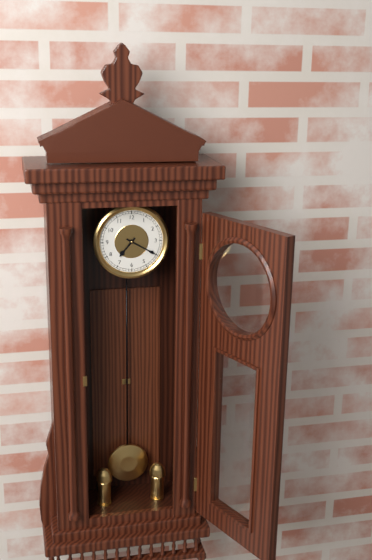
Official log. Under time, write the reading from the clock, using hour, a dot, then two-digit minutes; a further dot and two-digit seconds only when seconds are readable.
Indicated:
7.20
